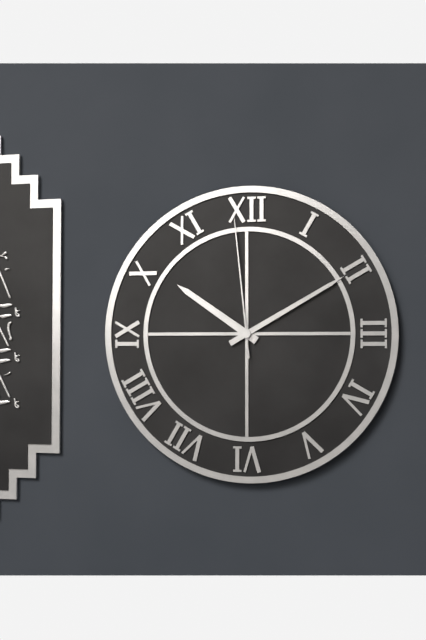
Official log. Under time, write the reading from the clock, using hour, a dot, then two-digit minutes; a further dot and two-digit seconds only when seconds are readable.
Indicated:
10.10.59
